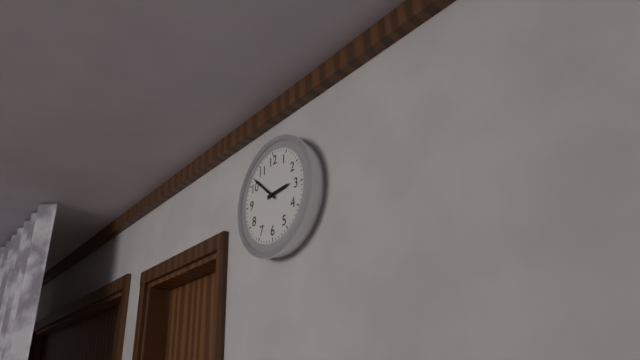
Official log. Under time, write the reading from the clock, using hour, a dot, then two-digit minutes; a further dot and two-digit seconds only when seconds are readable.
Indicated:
2.52
